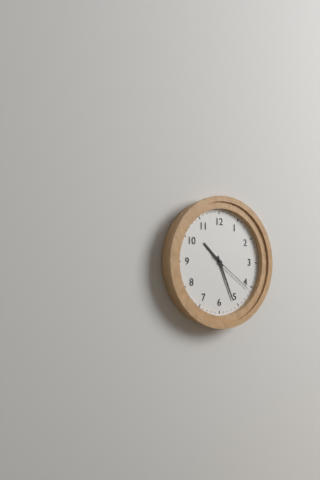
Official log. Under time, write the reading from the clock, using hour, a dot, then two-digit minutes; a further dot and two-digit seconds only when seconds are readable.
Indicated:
10.26
